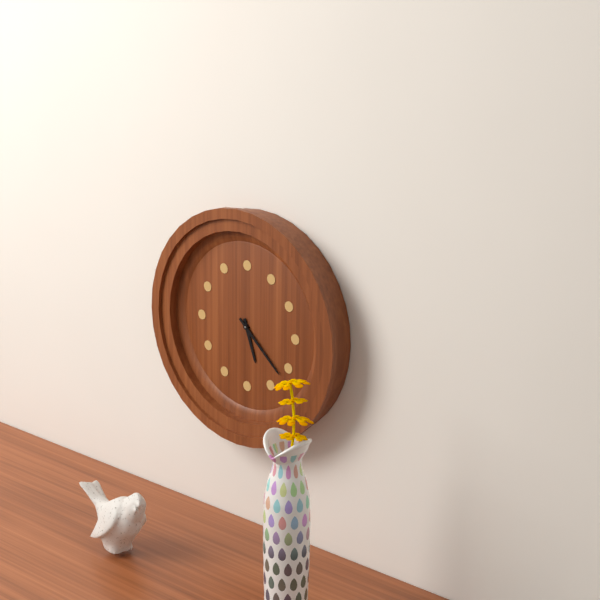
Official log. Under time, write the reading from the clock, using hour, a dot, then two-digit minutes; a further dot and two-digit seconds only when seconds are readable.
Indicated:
5.22
